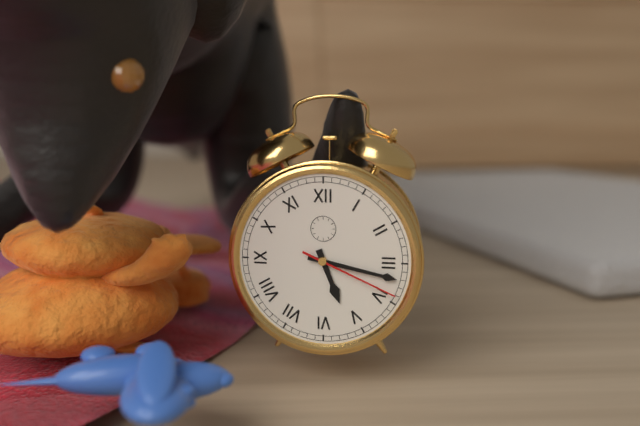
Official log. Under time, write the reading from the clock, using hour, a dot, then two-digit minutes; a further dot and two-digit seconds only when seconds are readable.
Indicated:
5.17.19
